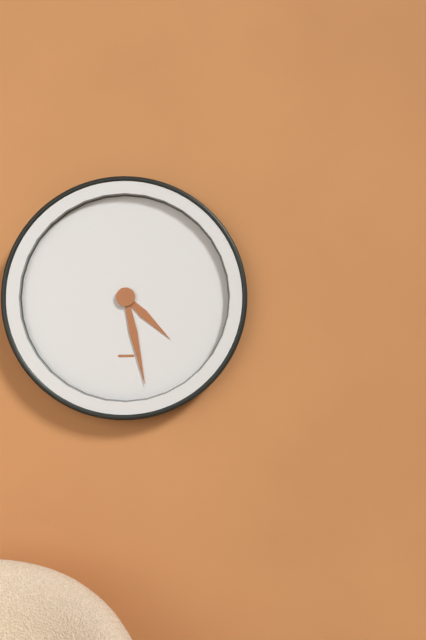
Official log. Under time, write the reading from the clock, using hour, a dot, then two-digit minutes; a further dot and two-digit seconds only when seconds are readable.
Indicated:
4.28
